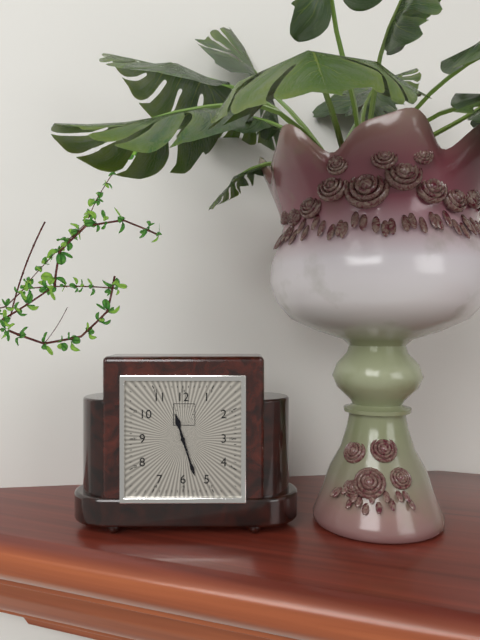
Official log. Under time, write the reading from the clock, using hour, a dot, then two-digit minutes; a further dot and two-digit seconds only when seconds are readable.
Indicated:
11.27
